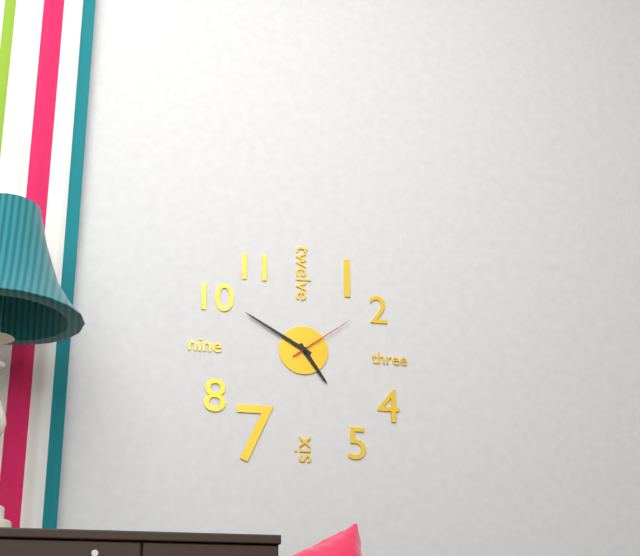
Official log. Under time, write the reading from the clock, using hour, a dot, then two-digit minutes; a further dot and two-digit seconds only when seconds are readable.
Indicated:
4.50.09
